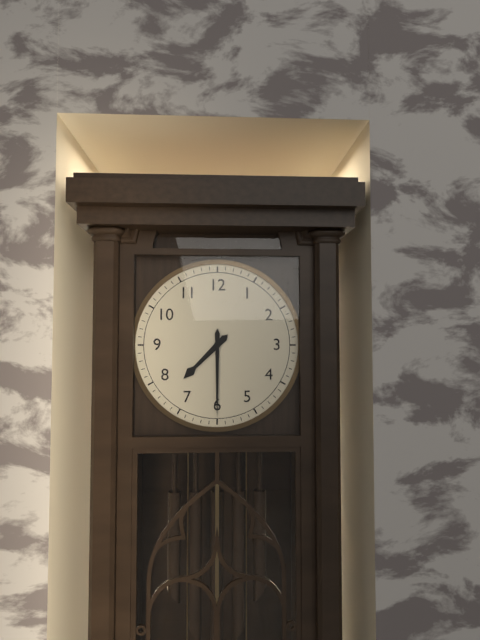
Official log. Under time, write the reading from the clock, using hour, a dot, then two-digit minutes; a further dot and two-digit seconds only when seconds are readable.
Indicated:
7.30
